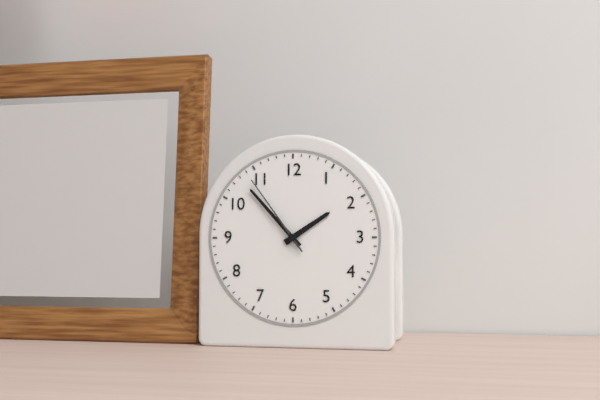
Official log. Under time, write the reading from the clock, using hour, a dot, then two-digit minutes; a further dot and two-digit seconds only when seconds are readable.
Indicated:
1.53.54
